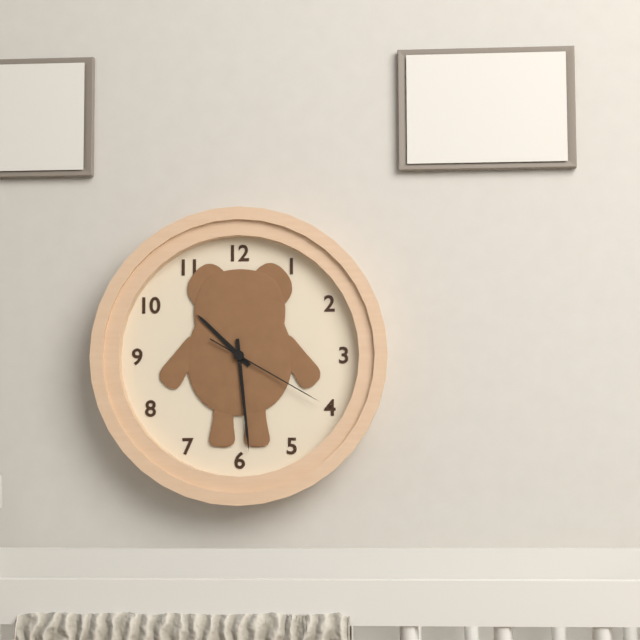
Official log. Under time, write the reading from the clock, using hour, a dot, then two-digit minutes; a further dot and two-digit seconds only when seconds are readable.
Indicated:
10.29.20
